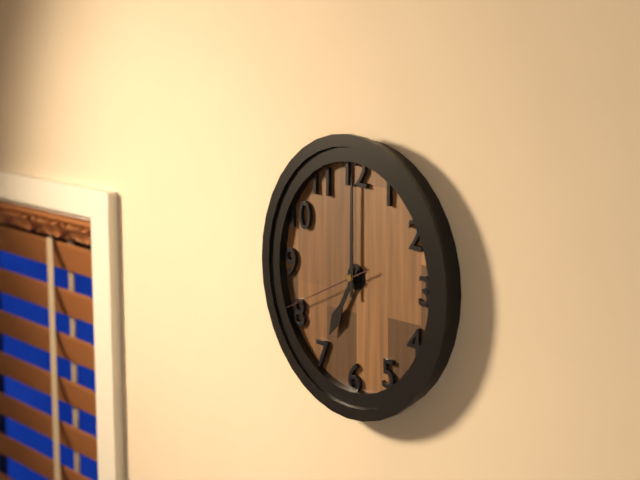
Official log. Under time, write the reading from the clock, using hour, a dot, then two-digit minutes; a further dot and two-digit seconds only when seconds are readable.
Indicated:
7.00.41
